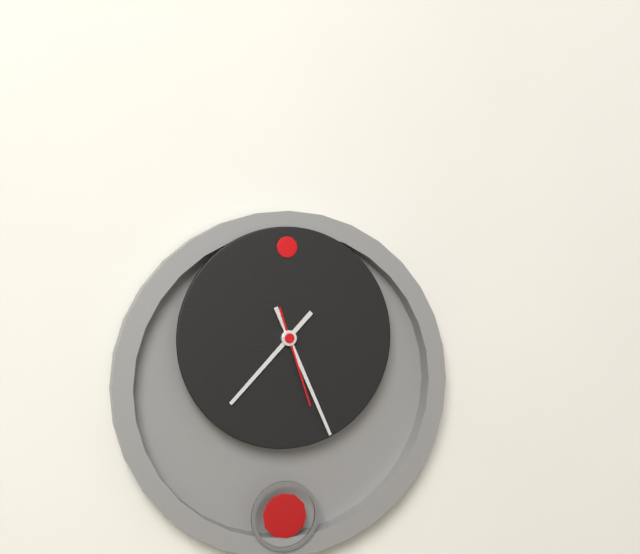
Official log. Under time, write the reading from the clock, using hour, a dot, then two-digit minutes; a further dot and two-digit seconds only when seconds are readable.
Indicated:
7.26.27
